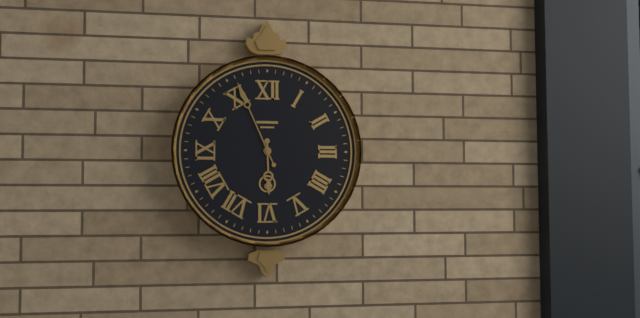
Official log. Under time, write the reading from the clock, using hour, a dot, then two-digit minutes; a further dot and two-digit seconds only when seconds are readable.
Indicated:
5.56
